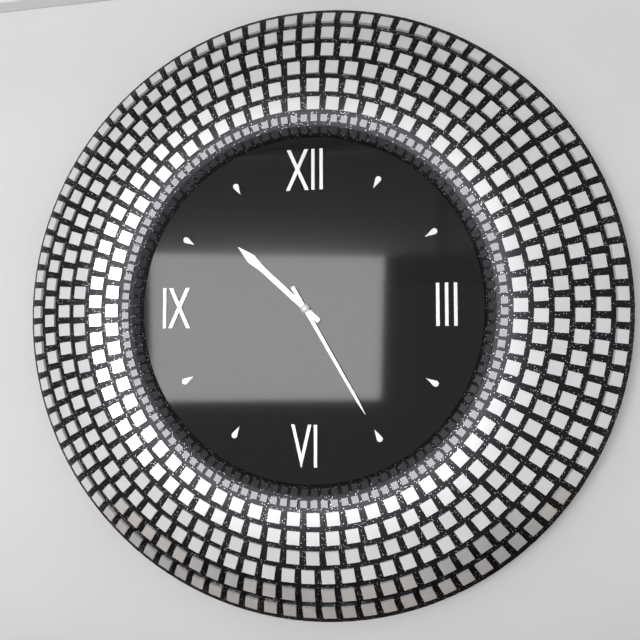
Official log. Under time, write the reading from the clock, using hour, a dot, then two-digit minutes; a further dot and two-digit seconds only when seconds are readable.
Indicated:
10.25
